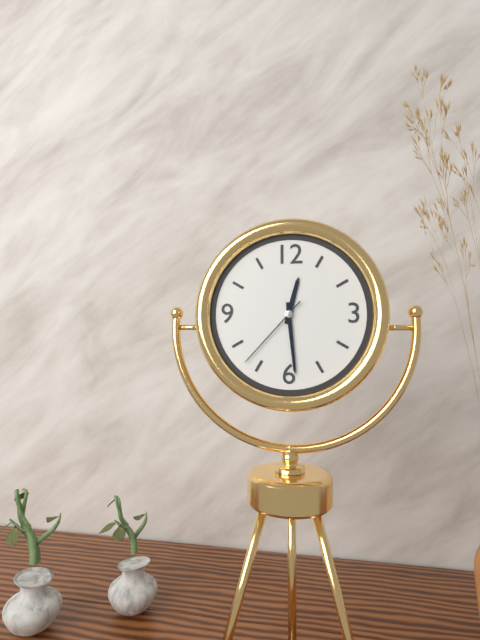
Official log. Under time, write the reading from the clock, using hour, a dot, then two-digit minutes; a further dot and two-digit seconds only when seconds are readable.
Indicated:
12.29.37
